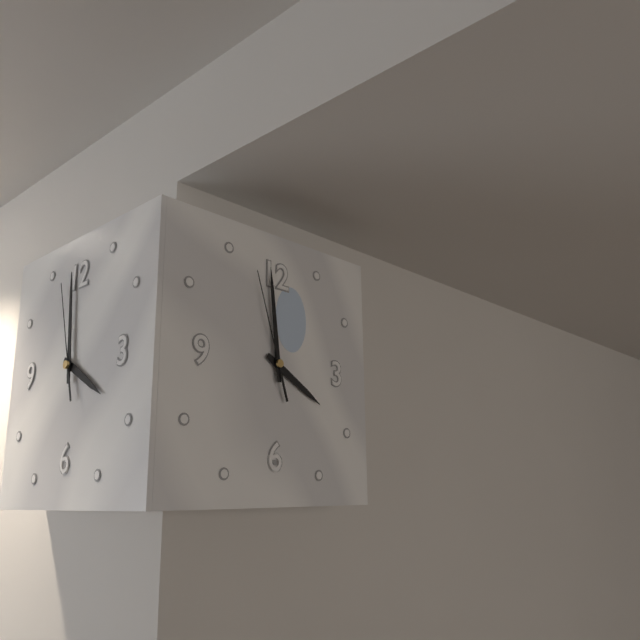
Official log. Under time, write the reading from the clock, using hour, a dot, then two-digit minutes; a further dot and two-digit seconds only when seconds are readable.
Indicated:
3.59.57
